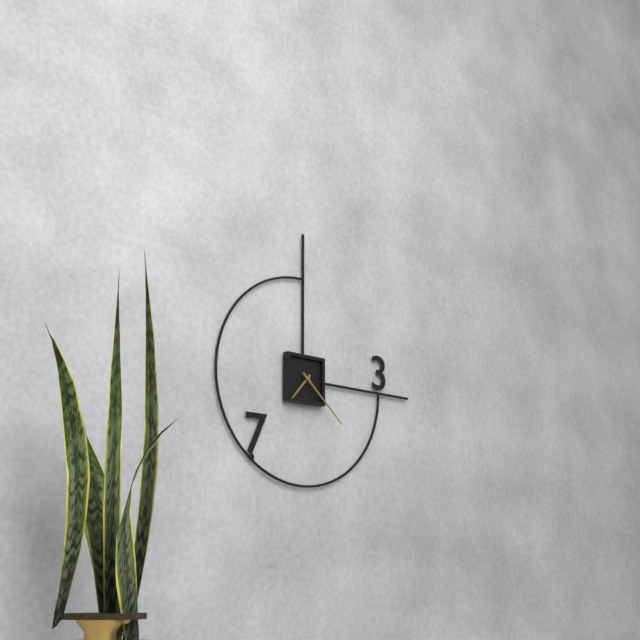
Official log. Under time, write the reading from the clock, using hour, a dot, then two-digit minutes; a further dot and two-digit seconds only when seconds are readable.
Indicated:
7.22
